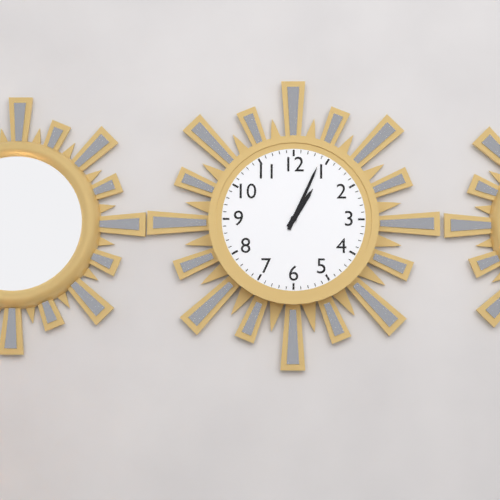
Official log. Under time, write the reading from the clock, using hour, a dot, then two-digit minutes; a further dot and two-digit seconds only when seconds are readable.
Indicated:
1.04
